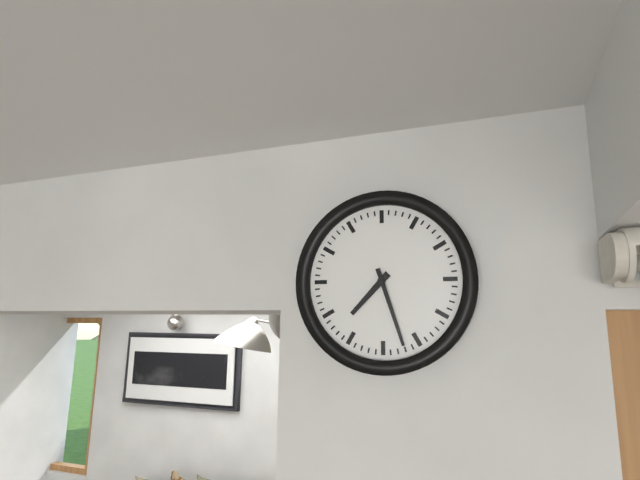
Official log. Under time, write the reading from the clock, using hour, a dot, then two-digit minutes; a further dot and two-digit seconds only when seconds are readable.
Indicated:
7.27
